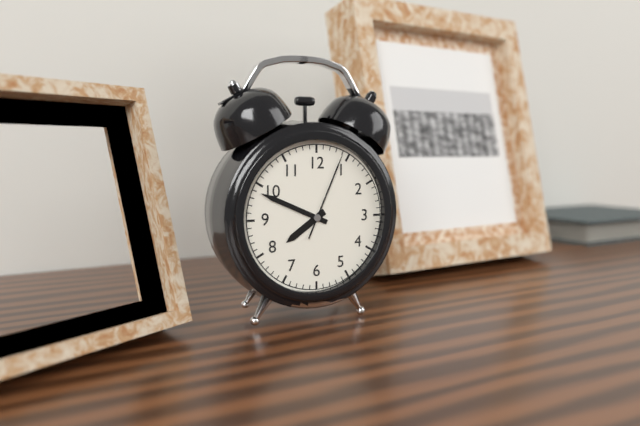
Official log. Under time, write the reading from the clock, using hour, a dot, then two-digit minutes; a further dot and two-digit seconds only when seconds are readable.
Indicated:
7.49.04
